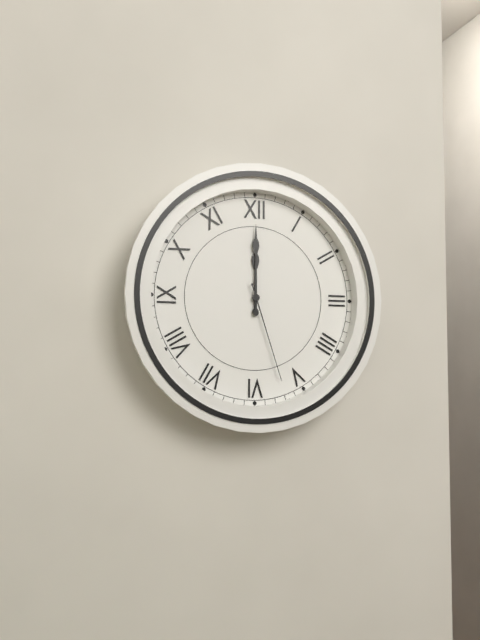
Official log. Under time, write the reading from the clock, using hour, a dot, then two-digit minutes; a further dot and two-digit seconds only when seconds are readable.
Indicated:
12.00.27
